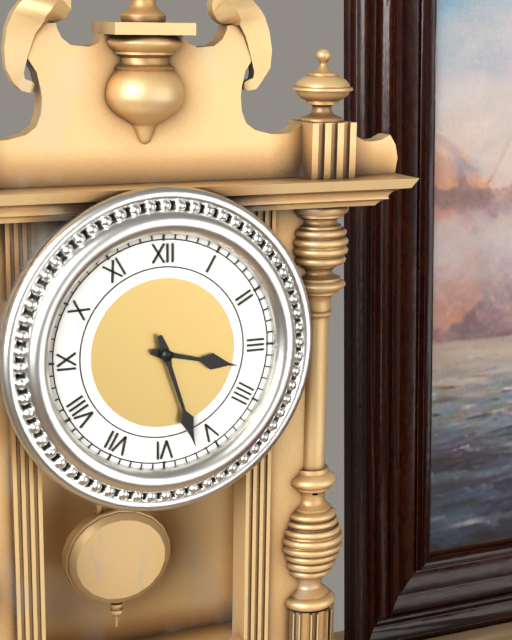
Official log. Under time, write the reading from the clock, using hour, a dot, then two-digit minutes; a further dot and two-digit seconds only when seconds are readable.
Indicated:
3.27
